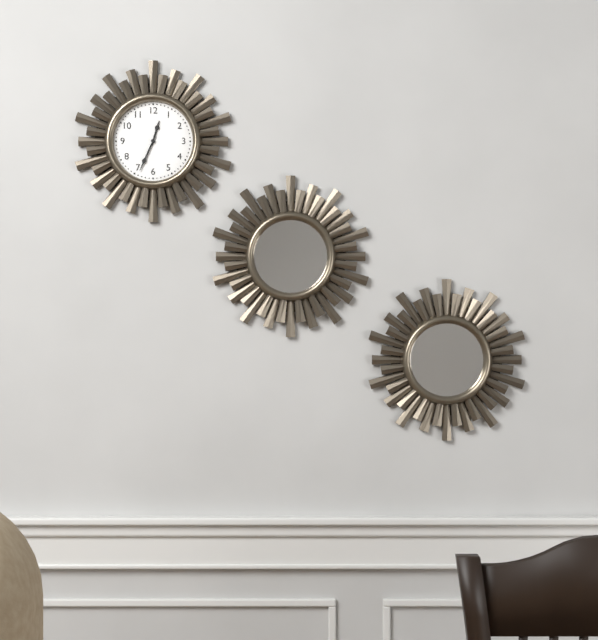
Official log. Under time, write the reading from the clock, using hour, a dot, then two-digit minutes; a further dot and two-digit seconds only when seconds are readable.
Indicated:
12.34
